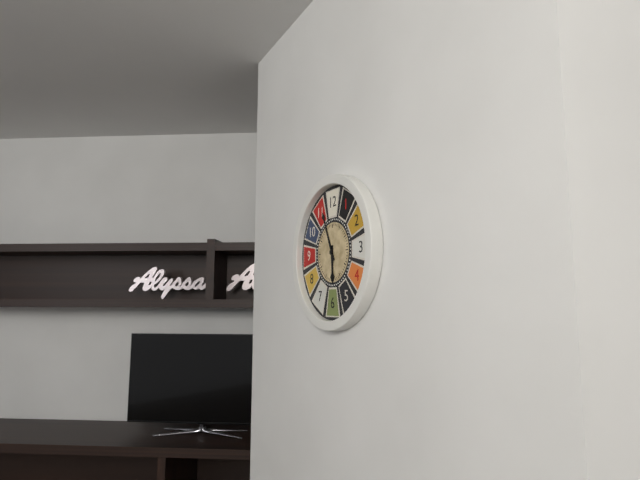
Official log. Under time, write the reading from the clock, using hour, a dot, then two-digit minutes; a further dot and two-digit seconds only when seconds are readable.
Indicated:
5.56
